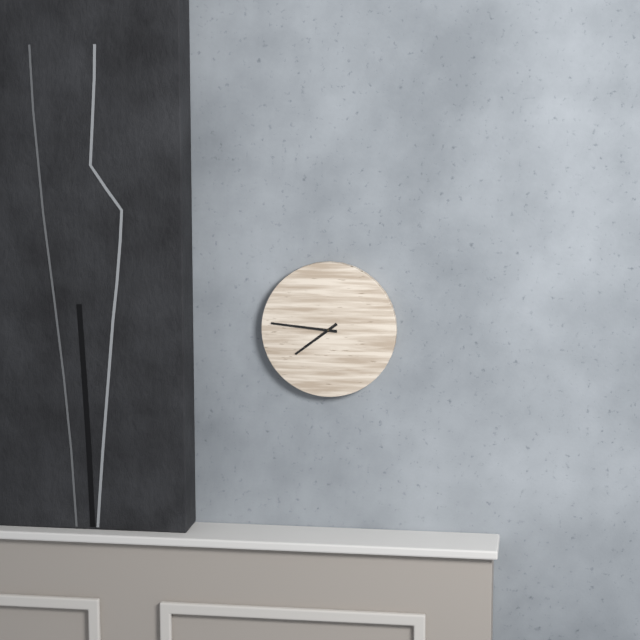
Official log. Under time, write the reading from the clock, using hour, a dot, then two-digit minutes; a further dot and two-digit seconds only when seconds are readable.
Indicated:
7.46
